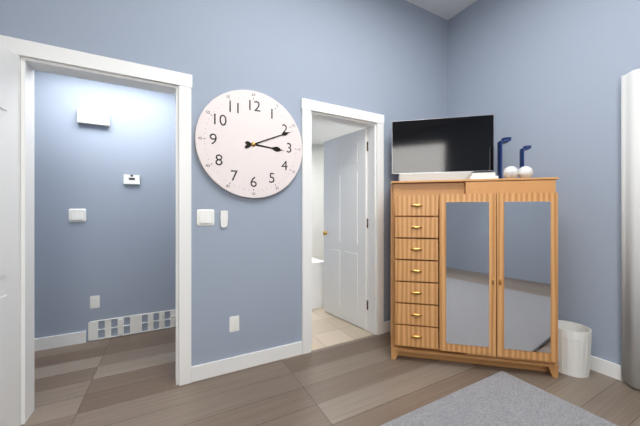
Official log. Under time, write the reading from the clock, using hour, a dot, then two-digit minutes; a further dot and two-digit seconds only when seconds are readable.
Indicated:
3.11
